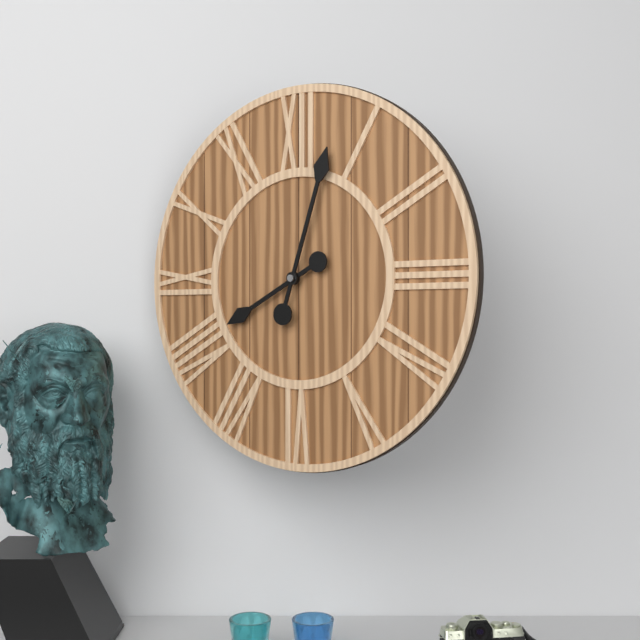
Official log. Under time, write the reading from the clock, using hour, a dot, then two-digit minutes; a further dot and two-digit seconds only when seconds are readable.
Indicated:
8.03
